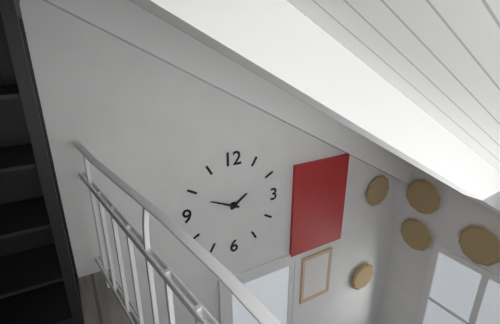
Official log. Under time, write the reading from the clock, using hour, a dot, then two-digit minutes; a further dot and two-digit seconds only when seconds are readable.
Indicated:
1.49
